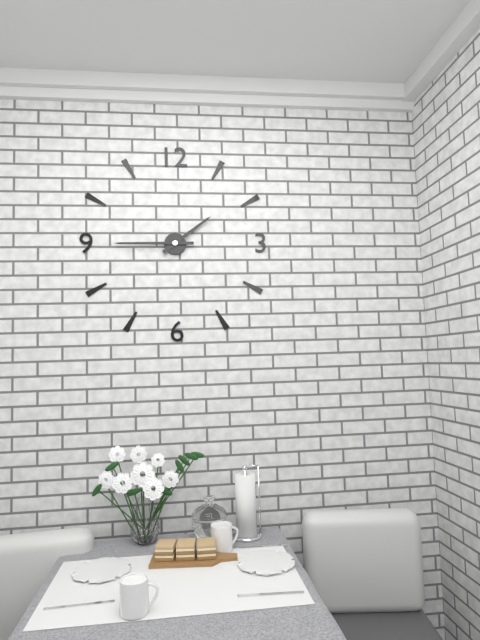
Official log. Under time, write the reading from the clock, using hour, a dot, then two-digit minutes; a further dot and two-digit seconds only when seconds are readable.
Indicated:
1.45
